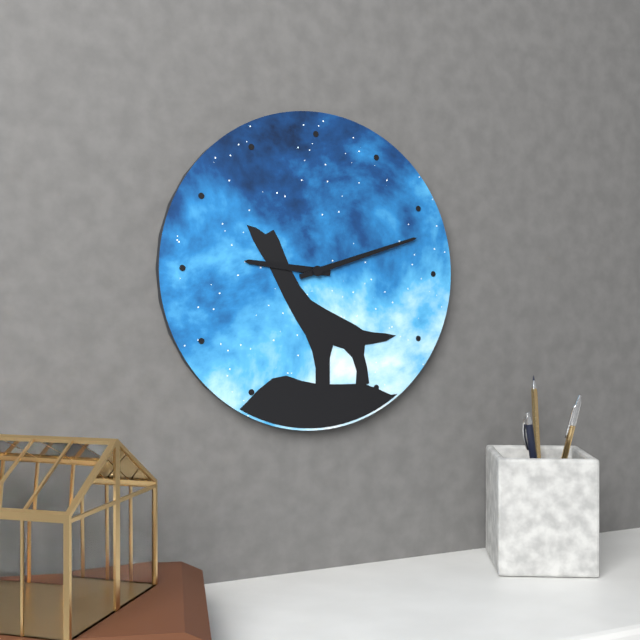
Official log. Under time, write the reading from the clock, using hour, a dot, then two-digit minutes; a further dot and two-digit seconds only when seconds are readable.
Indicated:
9.12
